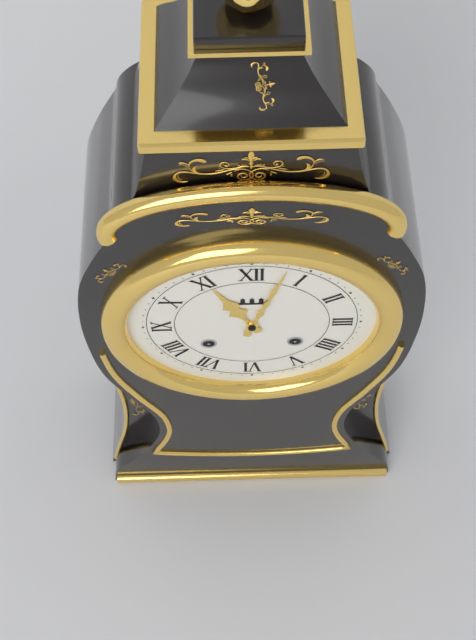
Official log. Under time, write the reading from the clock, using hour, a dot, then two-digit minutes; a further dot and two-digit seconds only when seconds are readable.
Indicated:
11.03
